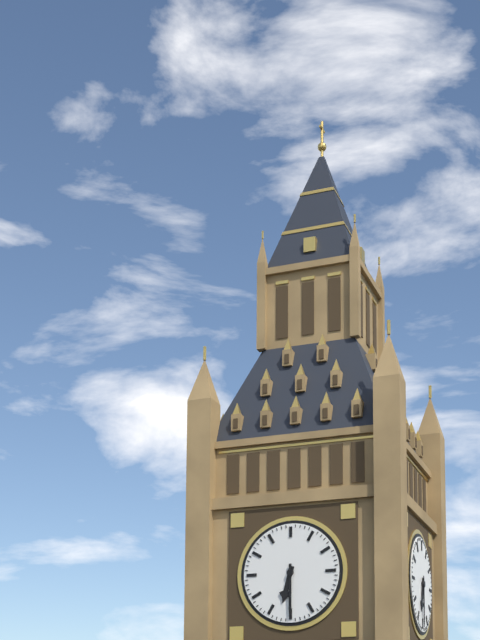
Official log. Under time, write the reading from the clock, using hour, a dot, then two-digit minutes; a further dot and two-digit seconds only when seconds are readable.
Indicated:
6.30
